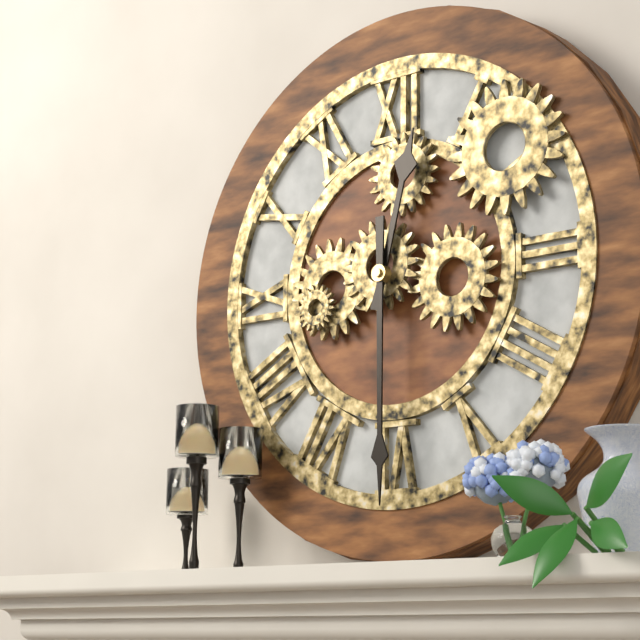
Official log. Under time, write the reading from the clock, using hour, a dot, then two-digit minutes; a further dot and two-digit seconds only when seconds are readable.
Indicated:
12.30
